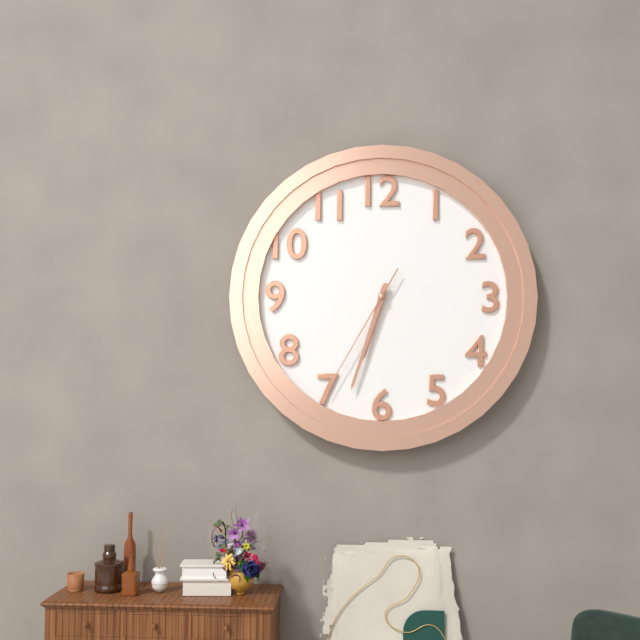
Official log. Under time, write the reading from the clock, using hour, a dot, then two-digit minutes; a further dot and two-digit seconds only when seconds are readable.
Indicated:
6.33.35
